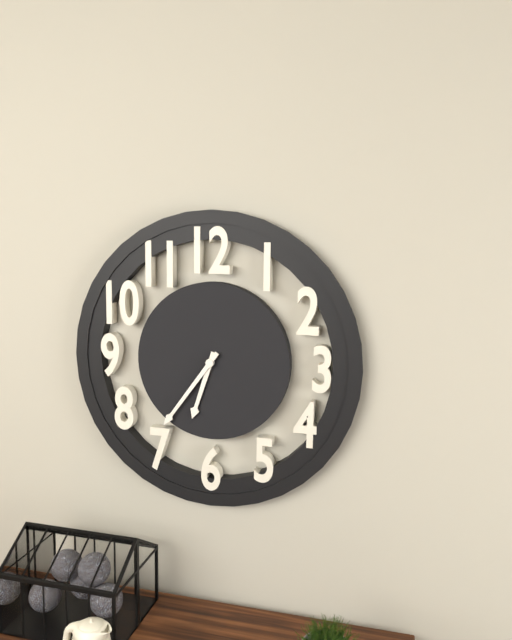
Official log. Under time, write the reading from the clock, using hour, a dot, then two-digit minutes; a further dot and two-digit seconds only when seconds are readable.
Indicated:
6.36
